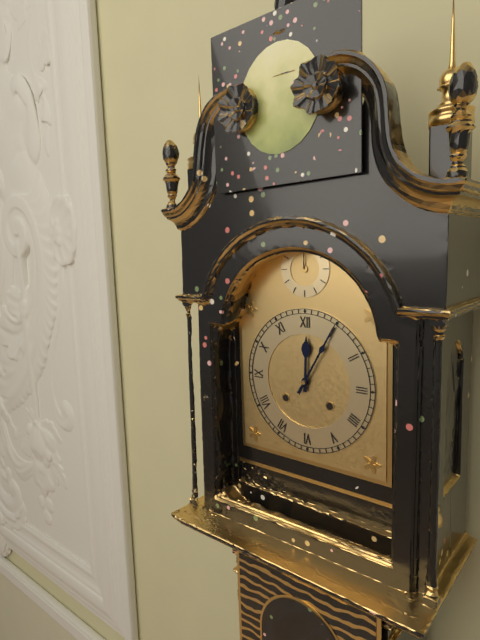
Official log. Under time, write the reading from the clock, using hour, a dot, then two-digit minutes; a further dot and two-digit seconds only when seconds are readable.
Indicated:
12.05
